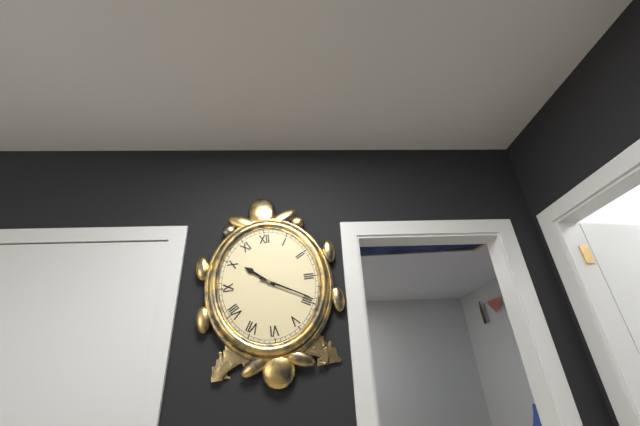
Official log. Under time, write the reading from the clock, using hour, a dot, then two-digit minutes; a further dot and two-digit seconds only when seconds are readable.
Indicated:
10.20
